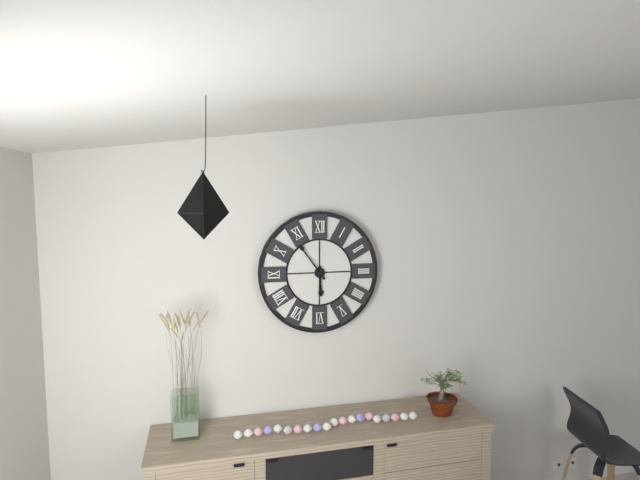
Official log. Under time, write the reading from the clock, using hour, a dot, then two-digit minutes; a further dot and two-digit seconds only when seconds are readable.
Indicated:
5.54
